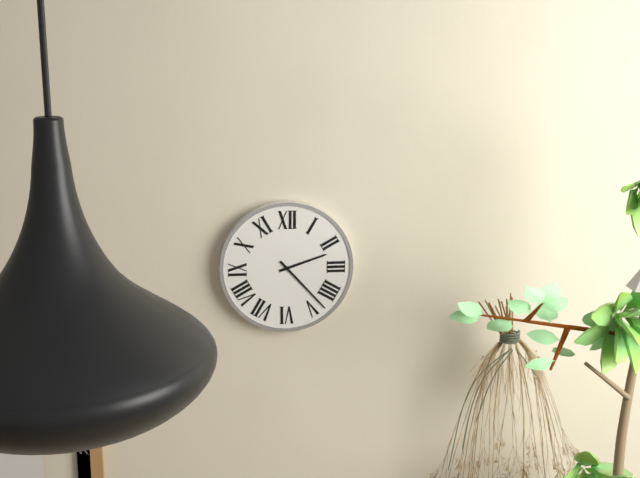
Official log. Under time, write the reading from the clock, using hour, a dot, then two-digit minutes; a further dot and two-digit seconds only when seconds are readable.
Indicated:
2.23
